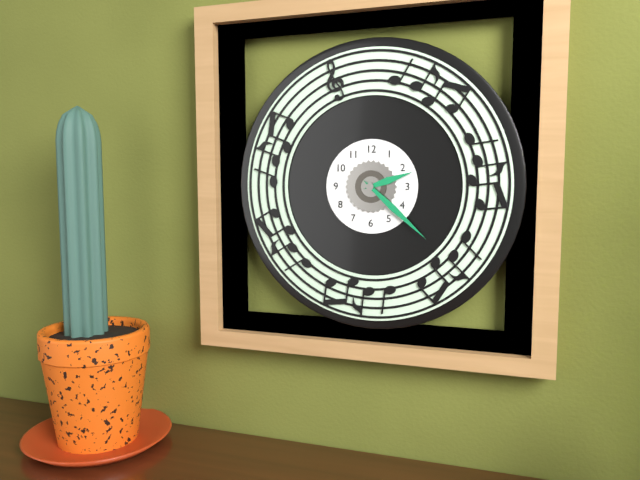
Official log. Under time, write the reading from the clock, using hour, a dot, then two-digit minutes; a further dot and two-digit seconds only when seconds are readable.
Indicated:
2.22
